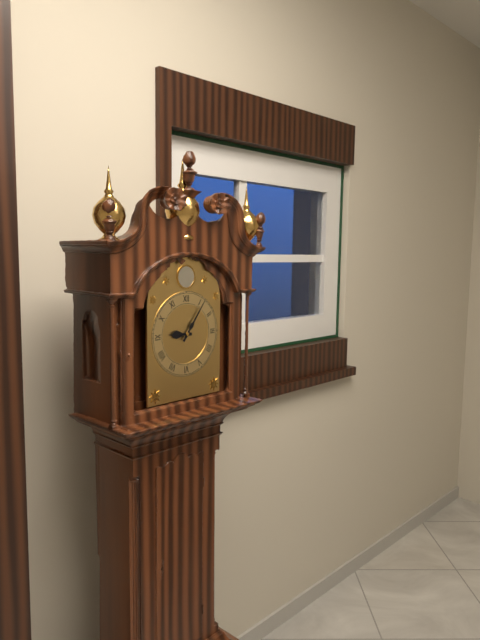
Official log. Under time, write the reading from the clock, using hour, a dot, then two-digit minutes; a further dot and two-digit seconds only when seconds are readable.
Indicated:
9.06
